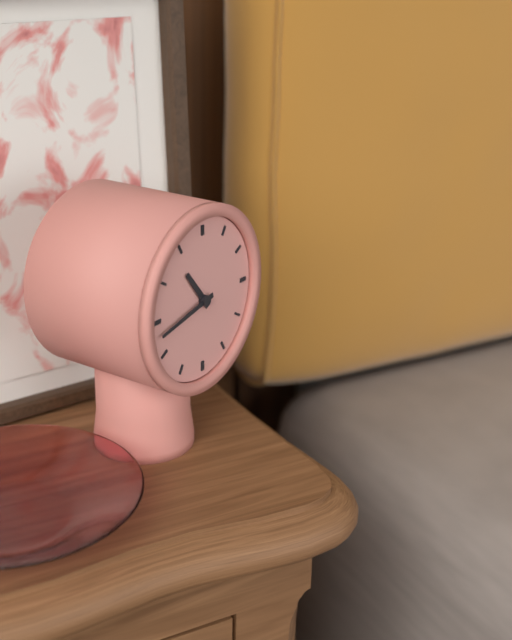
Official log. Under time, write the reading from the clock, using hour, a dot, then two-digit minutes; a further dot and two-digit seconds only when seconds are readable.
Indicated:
10.43
